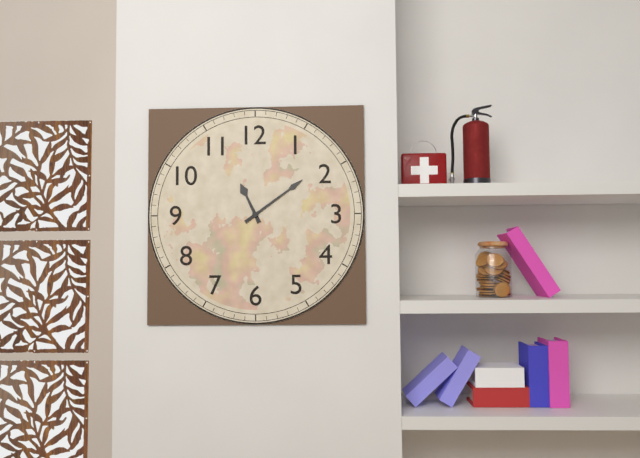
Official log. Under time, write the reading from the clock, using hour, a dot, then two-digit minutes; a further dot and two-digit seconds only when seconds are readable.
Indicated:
11.09
